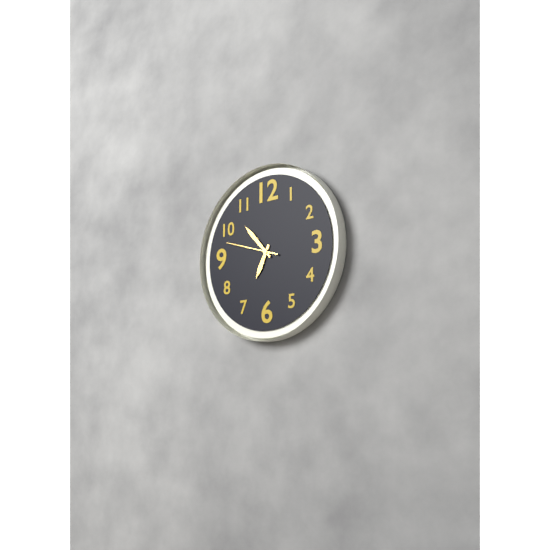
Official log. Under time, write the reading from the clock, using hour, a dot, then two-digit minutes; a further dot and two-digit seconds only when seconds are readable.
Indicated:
6.53
